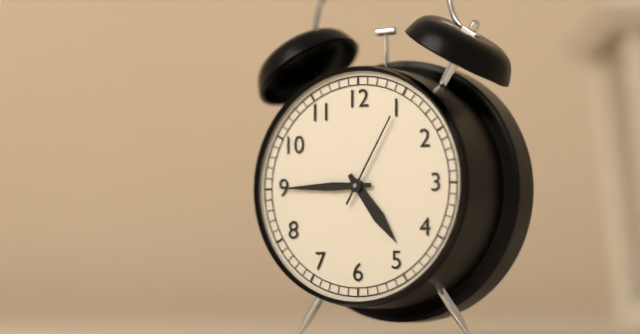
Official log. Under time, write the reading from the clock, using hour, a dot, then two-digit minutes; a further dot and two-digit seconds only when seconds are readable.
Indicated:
4.45.05
